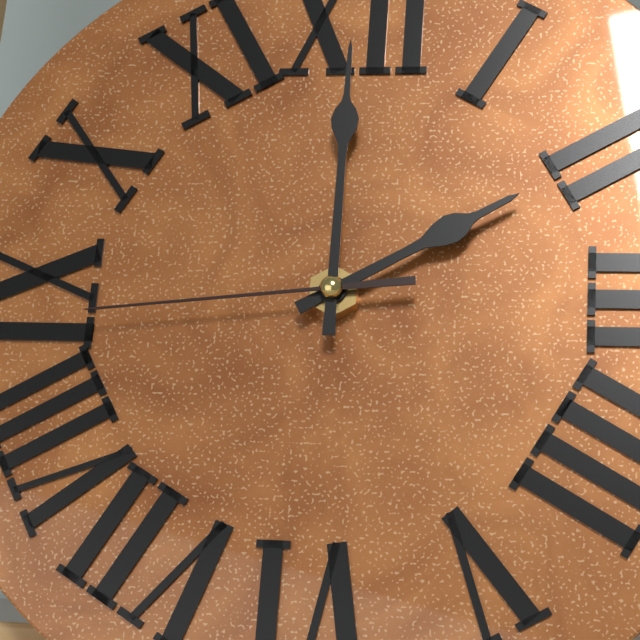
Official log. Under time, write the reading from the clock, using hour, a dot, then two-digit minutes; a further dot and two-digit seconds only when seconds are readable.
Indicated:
2.00.44
